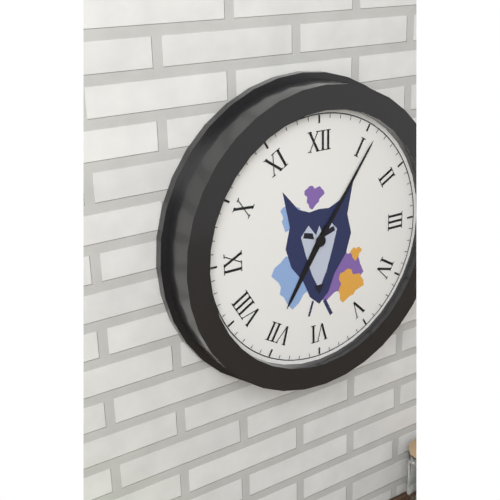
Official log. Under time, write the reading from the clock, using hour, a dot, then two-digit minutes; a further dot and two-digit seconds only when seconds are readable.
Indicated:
7.06
